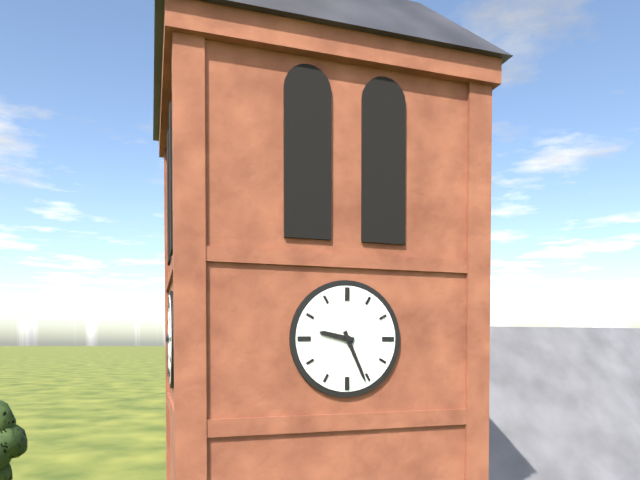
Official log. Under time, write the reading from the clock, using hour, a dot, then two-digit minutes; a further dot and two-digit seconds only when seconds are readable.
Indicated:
9.26
